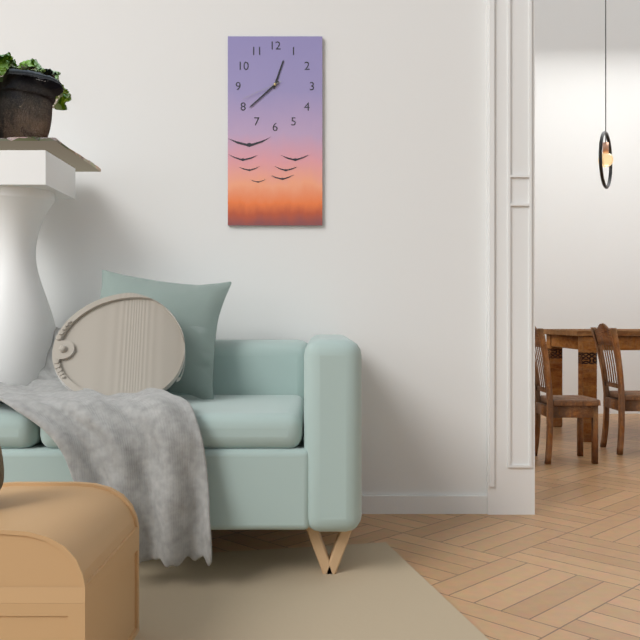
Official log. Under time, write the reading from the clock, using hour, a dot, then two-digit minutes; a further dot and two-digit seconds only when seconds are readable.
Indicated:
12.38
